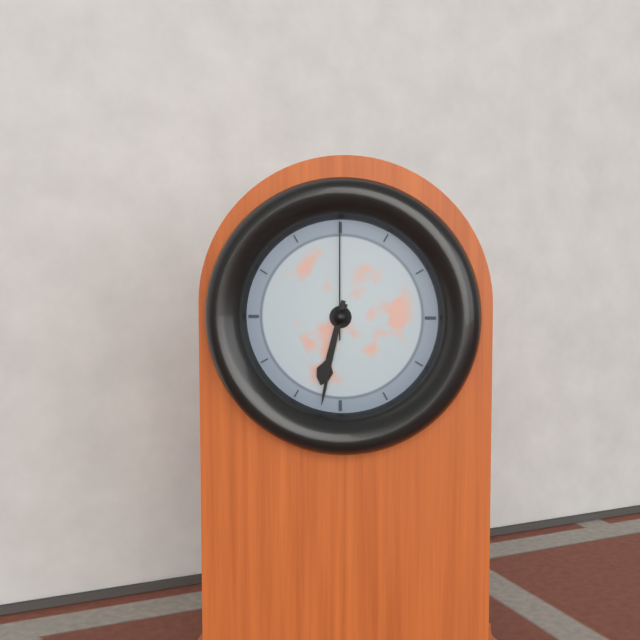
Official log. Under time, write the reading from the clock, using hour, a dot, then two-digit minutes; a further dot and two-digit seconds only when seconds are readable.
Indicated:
6.32.00
